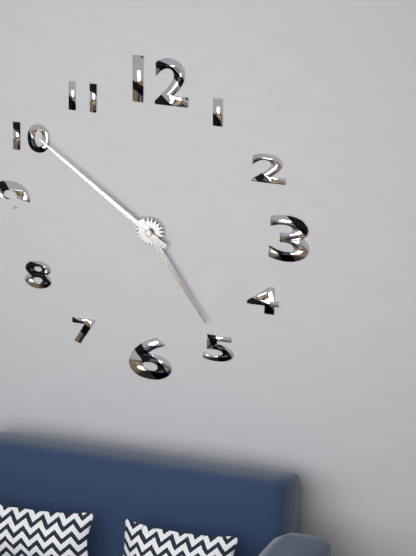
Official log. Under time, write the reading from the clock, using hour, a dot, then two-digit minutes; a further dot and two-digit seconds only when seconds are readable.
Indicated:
4.51
